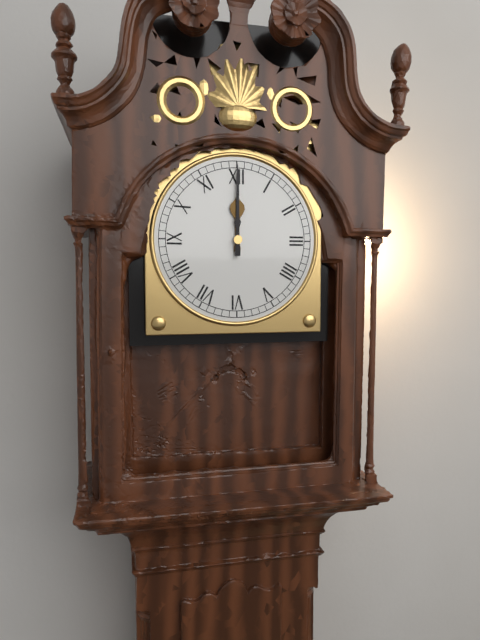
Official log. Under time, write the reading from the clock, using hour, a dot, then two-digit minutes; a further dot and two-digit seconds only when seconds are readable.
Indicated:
12.00
